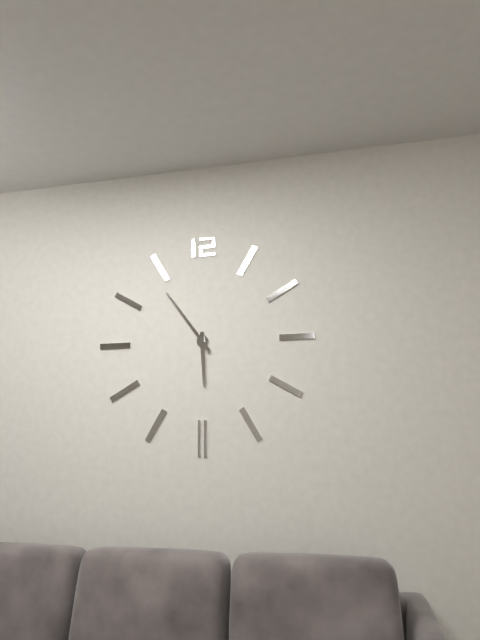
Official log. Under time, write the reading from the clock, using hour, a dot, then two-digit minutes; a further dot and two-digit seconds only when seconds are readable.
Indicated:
5.54
